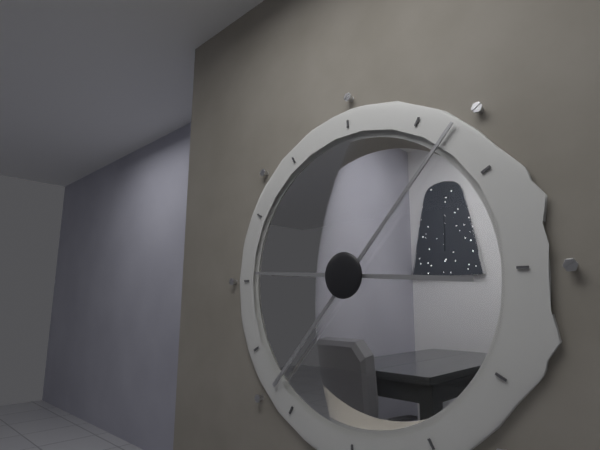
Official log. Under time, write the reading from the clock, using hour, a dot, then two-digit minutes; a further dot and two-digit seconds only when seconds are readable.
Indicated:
9.07
